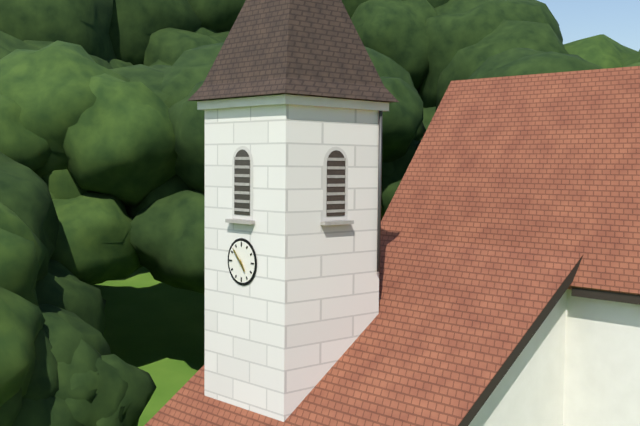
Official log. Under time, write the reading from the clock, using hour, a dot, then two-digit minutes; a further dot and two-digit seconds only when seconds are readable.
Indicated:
4.53
